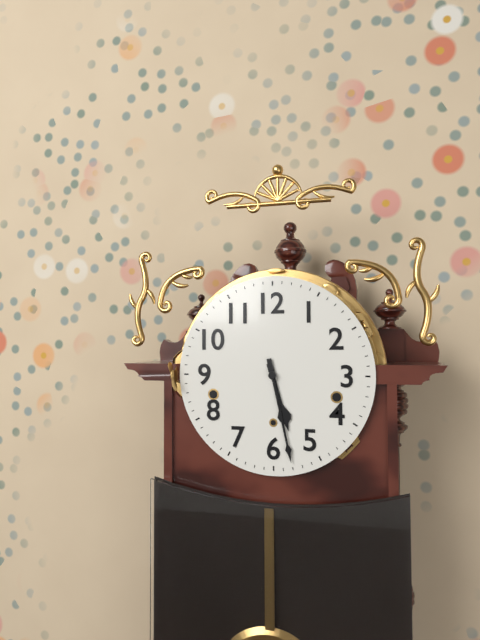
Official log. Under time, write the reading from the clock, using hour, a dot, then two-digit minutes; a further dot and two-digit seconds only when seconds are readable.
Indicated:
5.28
